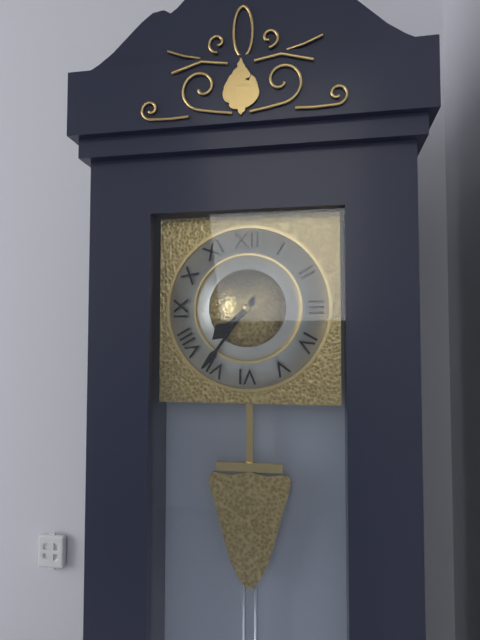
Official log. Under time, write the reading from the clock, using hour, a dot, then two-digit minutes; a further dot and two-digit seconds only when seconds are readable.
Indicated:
7.36
